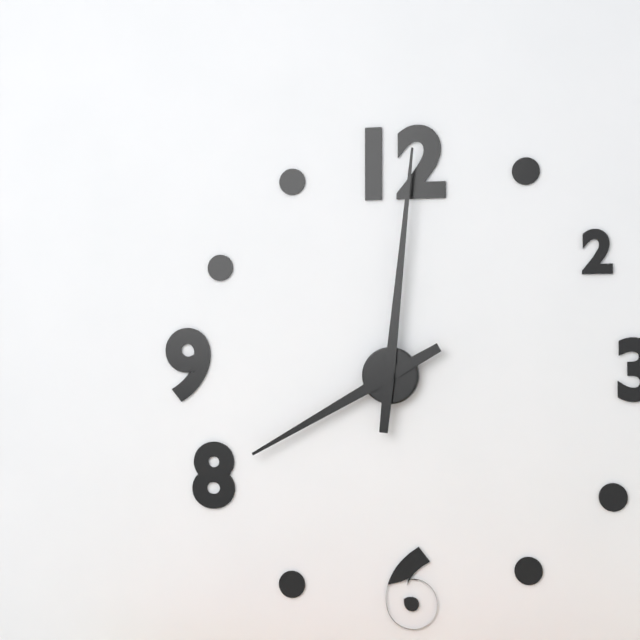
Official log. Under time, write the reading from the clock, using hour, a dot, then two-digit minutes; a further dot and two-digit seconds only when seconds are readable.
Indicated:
8.01
